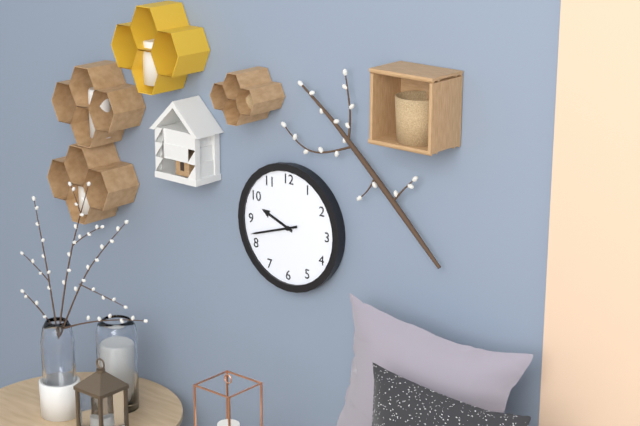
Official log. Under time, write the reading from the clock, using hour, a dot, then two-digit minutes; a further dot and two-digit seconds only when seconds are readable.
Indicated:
9.42
